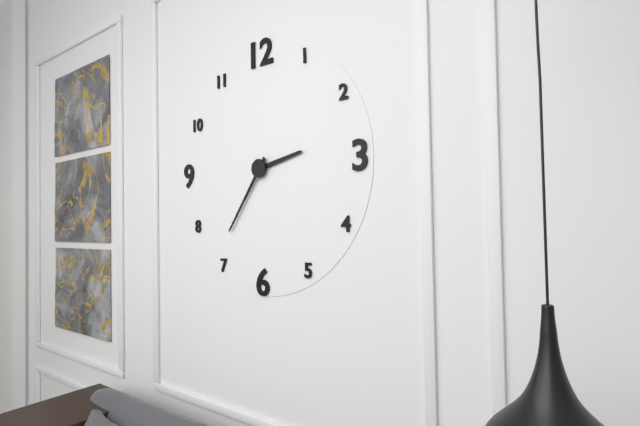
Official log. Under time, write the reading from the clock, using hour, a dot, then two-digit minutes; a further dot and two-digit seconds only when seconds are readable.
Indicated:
2.36
